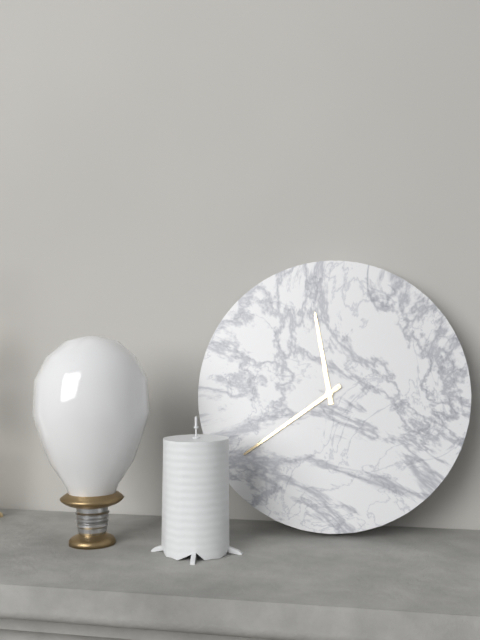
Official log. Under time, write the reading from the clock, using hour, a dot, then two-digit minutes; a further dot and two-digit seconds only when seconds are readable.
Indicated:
11.39
